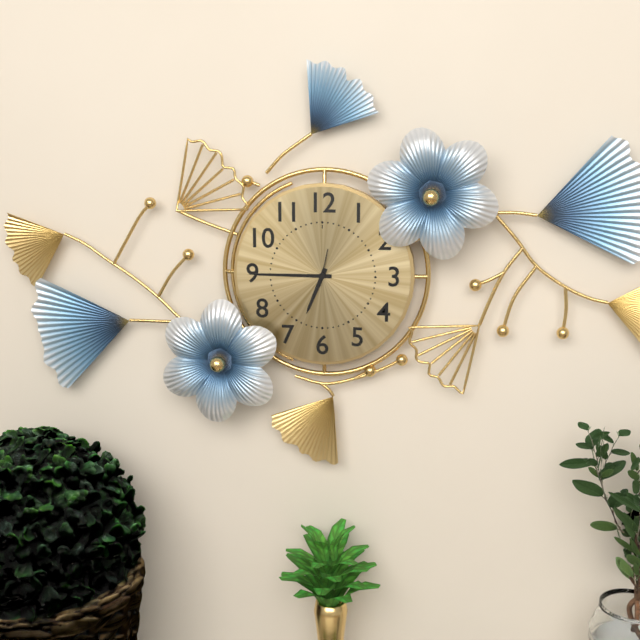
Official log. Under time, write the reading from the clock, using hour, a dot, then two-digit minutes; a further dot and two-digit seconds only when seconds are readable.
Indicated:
6.45
